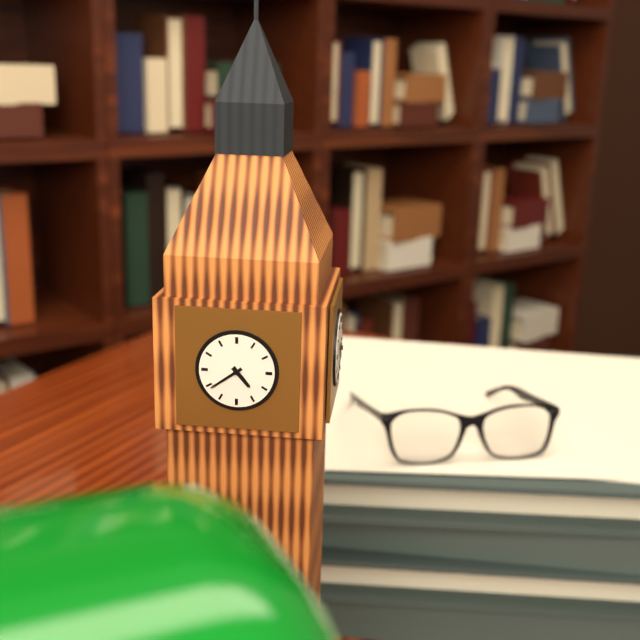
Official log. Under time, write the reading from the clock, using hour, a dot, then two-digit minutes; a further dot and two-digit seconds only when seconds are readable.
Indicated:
4.39
